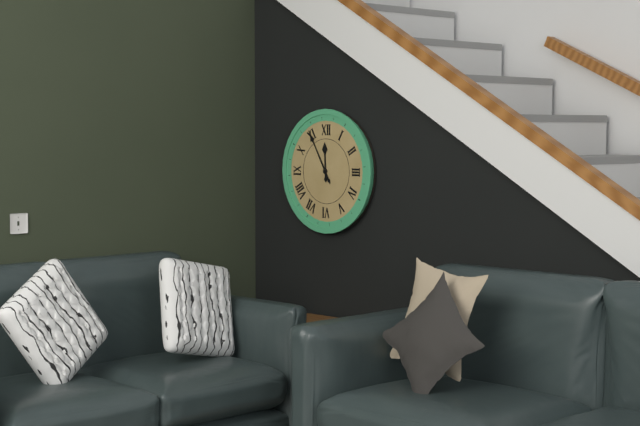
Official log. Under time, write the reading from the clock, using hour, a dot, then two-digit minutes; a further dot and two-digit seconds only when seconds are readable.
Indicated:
11.55
